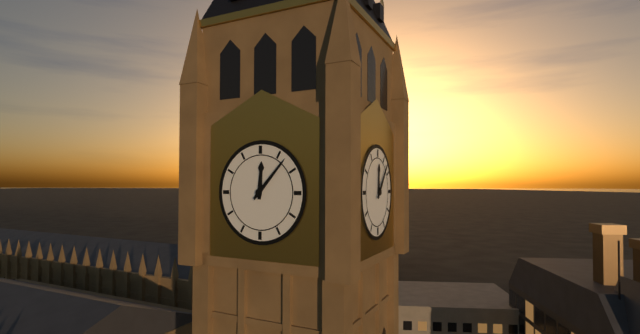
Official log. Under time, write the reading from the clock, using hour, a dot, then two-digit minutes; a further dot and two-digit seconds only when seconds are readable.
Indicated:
12.07
